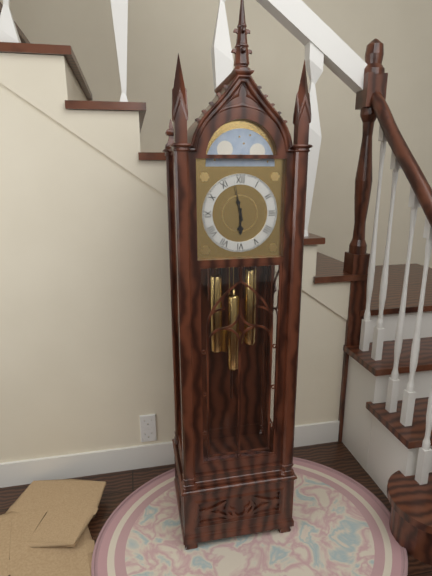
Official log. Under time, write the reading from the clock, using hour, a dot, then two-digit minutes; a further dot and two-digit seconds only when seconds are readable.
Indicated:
5.58
